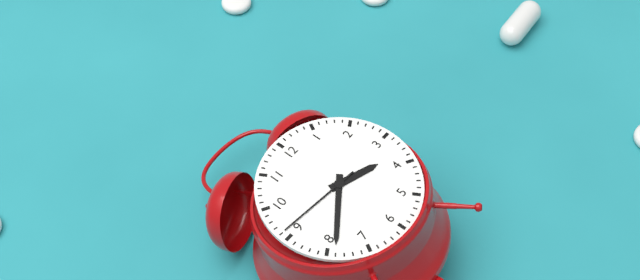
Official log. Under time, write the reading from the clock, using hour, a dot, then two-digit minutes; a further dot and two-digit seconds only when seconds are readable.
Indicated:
3.39.46
